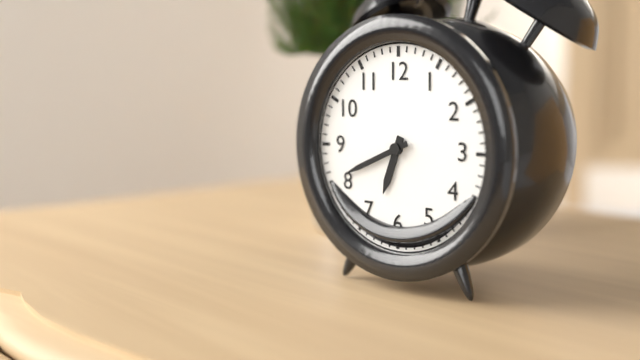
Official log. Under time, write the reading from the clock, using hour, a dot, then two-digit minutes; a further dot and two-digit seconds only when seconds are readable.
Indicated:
6.41
